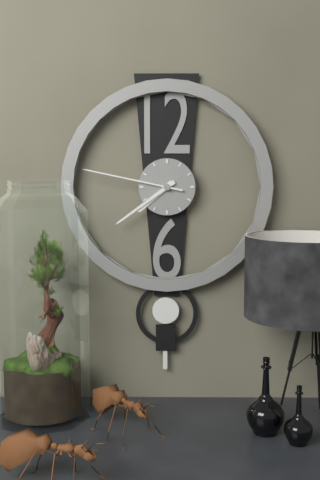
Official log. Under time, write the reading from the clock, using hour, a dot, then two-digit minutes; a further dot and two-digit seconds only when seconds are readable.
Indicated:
7.39.47
